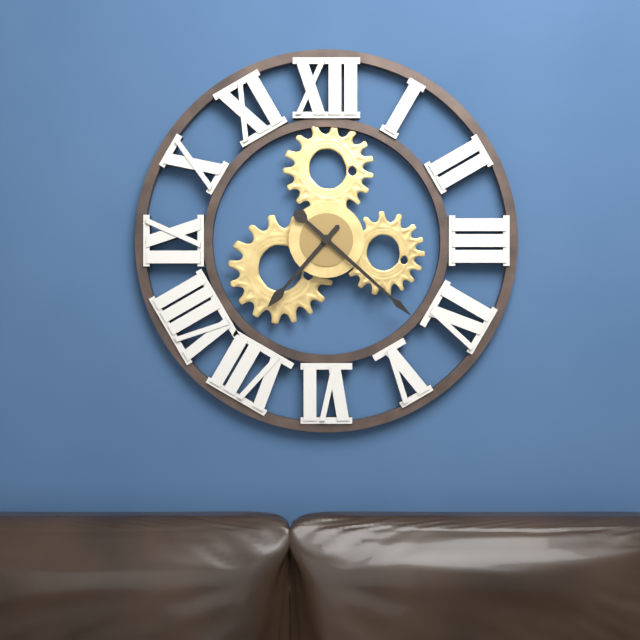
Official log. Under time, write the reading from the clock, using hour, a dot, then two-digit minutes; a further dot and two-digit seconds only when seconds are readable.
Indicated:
7.22
